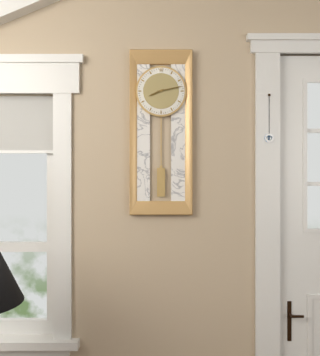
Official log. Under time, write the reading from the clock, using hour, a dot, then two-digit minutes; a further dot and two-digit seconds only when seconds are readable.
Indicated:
8.13
